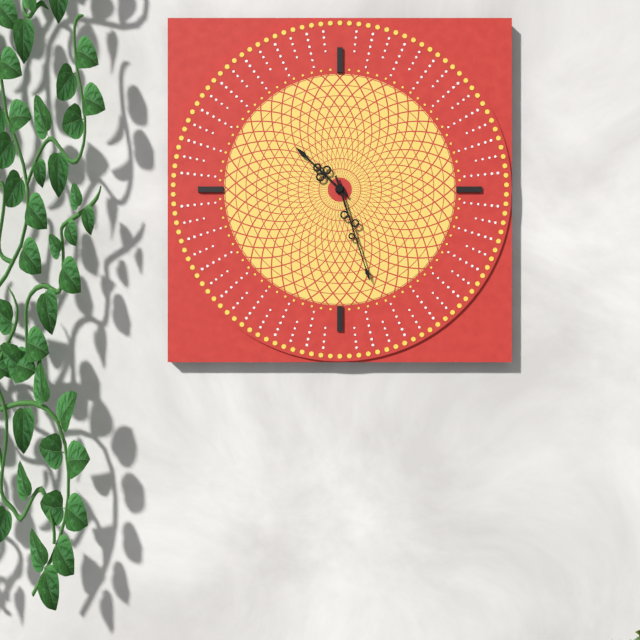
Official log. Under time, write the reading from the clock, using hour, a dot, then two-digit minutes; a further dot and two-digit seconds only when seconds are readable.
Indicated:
10.27
